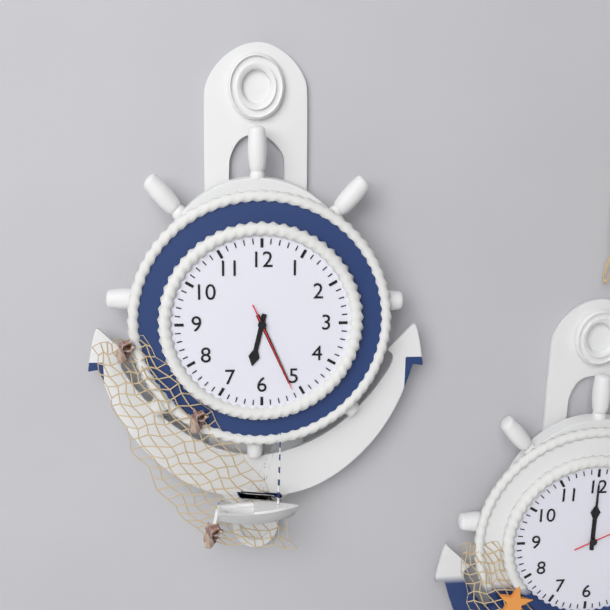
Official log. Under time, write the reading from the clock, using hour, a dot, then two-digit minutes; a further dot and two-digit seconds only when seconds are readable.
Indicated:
6.26.26
